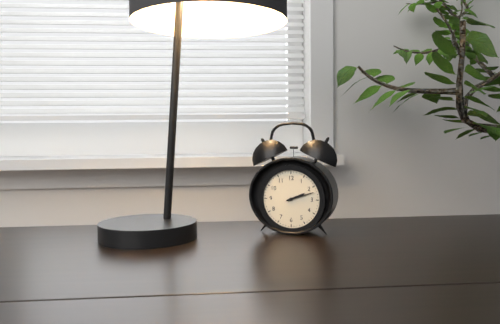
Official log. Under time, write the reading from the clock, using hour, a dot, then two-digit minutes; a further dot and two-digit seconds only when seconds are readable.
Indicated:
2.12
